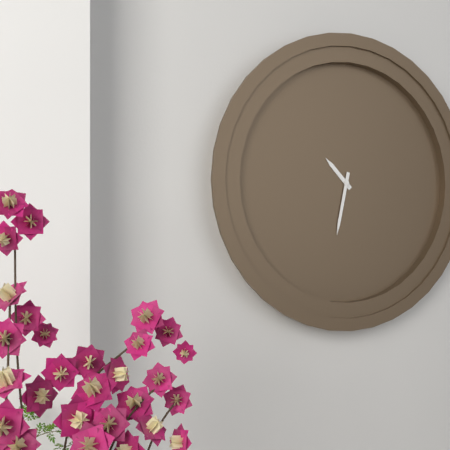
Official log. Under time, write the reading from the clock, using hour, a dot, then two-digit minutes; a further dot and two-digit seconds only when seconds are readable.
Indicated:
10.32
